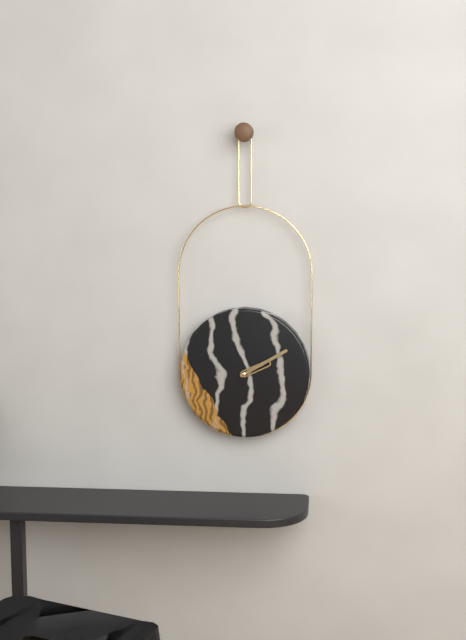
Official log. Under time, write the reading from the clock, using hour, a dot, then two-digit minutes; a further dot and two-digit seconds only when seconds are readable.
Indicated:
2.10
